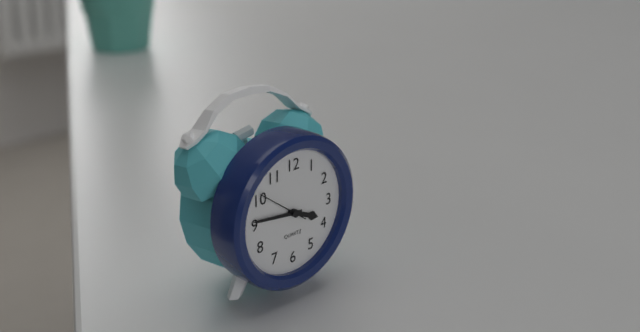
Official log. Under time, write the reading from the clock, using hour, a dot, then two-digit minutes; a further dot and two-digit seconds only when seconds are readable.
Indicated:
3.46
